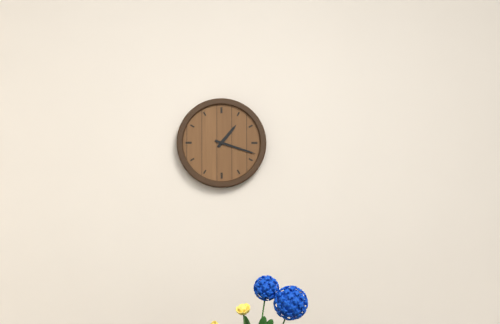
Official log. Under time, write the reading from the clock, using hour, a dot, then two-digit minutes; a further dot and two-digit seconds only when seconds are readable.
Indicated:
1.18
